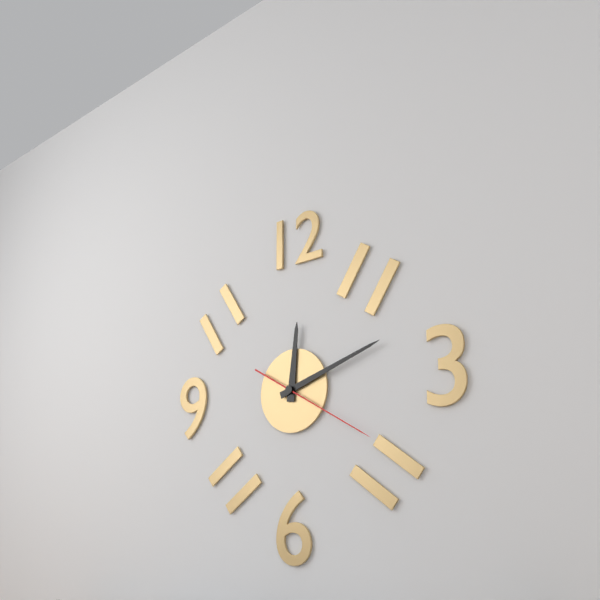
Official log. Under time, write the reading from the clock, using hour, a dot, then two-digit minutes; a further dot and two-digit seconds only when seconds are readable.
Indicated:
12.12.20
